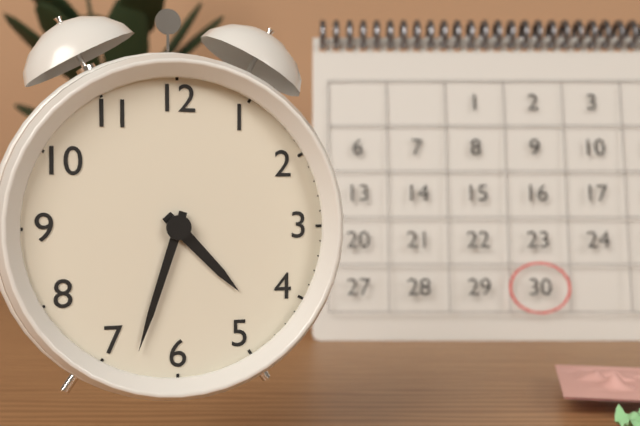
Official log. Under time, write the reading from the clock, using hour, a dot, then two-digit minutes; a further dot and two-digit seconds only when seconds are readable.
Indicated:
4.33
